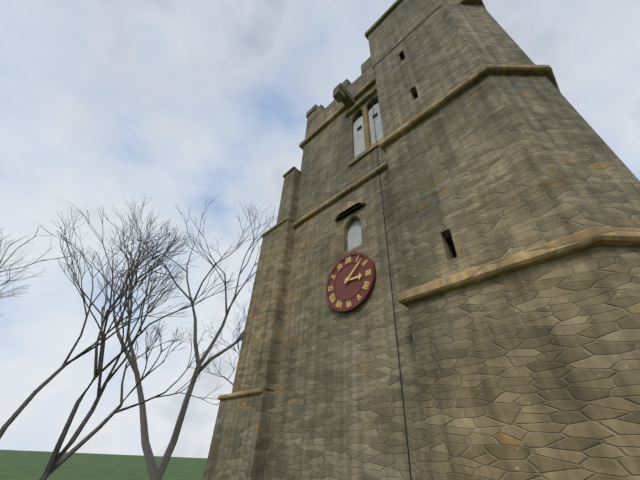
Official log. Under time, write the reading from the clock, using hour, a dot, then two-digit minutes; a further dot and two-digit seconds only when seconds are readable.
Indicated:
3.08
